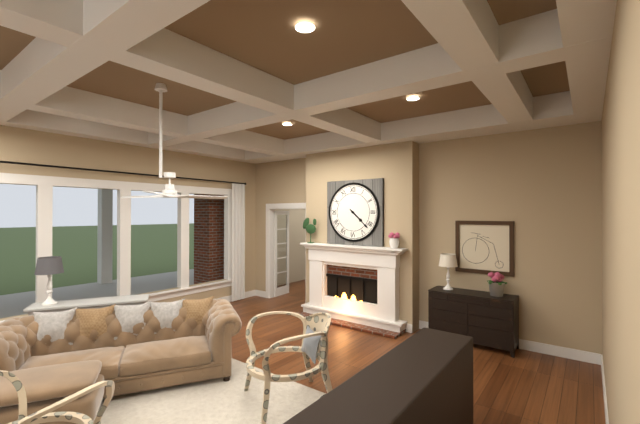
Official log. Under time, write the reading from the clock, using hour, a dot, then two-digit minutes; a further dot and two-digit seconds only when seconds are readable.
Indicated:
4.22
